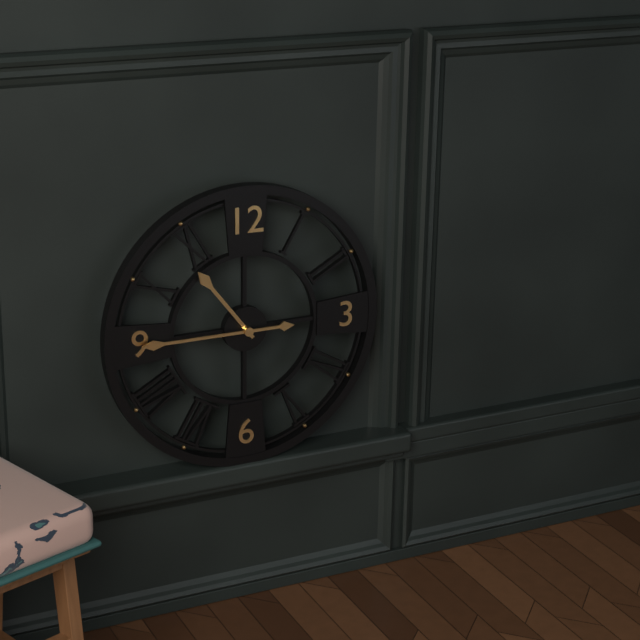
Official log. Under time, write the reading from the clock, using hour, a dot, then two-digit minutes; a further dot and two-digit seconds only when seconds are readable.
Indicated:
10.45
